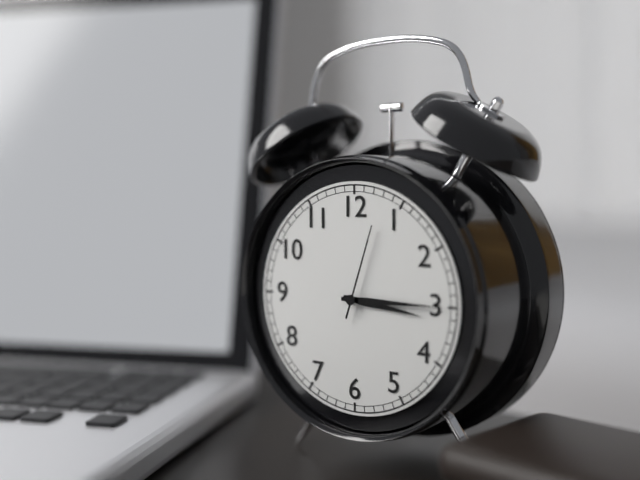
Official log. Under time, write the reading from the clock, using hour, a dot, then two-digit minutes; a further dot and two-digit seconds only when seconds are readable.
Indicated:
3.15.03
